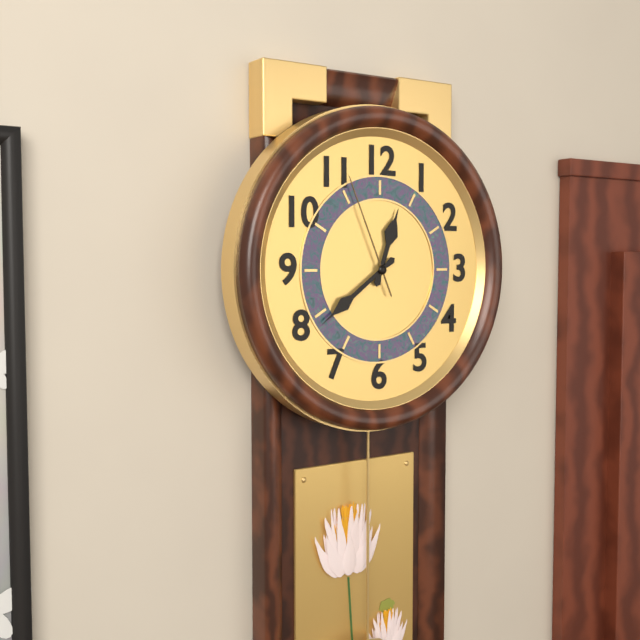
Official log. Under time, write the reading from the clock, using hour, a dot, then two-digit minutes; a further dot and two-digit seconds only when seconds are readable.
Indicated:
12.39.56
